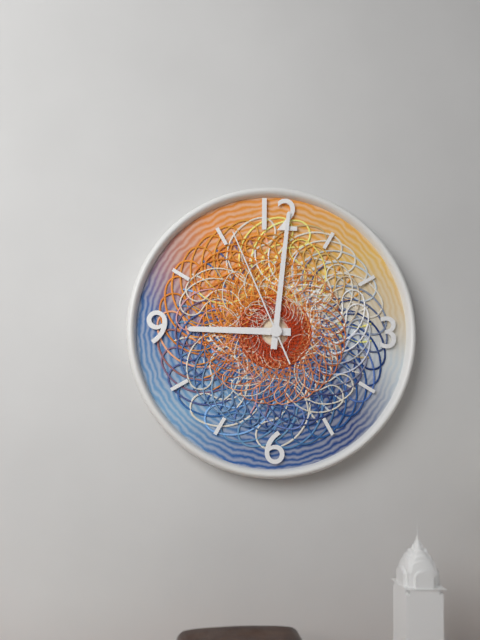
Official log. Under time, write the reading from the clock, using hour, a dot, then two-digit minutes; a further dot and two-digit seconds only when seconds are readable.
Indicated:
9.01.56
